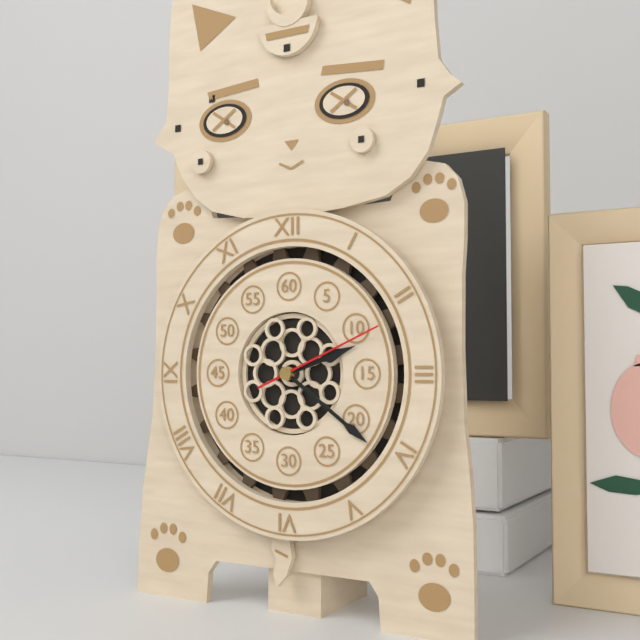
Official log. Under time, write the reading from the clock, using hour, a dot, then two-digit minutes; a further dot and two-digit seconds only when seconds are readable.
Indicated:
2.21.11
